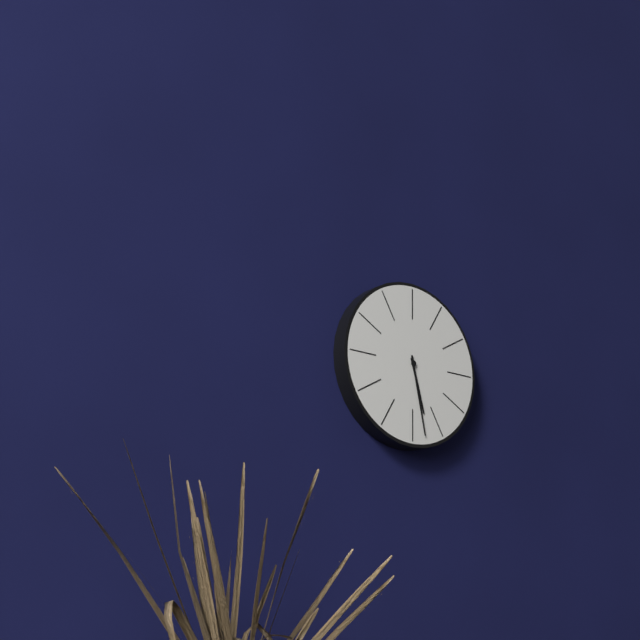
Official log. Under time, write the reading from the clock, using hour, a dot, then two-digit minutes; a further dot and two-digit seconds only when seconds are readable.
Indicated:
5.28
